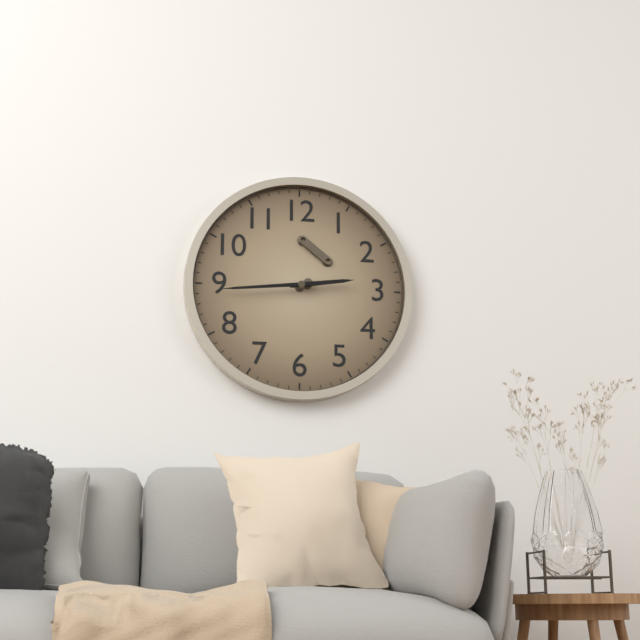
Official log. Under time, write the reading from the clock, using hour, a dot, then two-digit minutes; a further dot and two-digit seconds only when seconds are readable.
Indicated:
2.44
